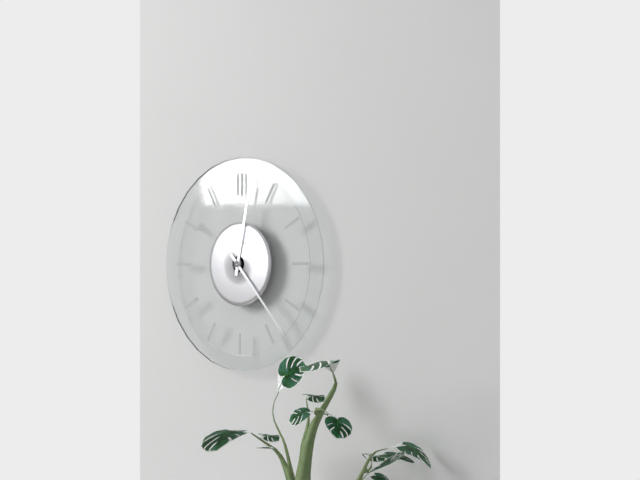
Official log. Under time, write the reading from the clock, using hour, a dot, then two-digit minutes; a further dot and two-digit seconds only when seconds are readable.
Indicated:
12.23
